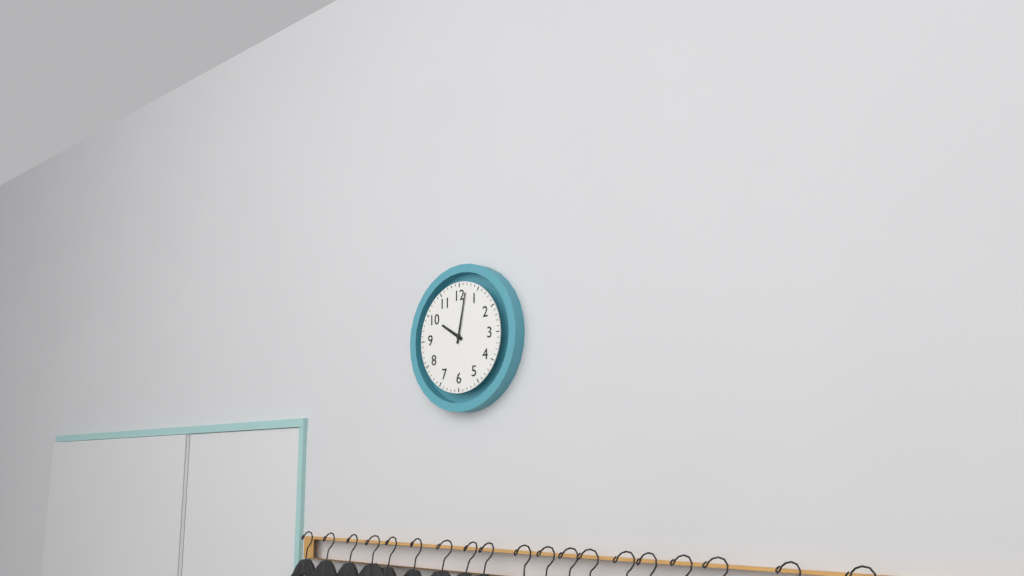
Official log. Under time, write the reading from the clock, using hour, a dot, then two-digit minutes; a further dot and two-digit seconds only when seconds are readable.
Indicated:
10.02
